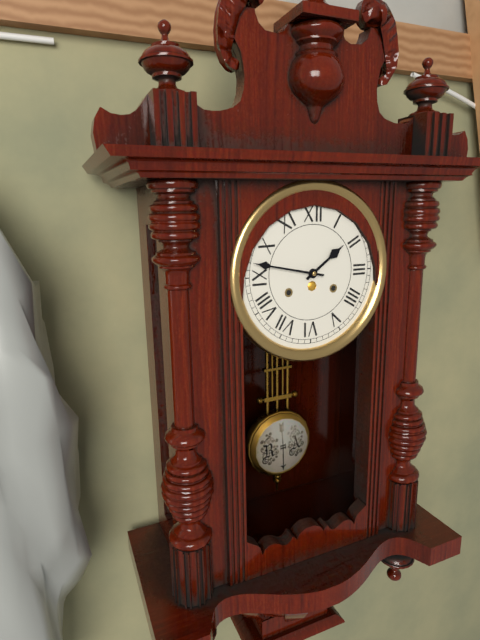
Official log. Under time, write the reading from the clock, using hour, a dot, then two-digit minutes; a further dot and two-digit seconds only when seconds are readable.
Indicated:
1.47
